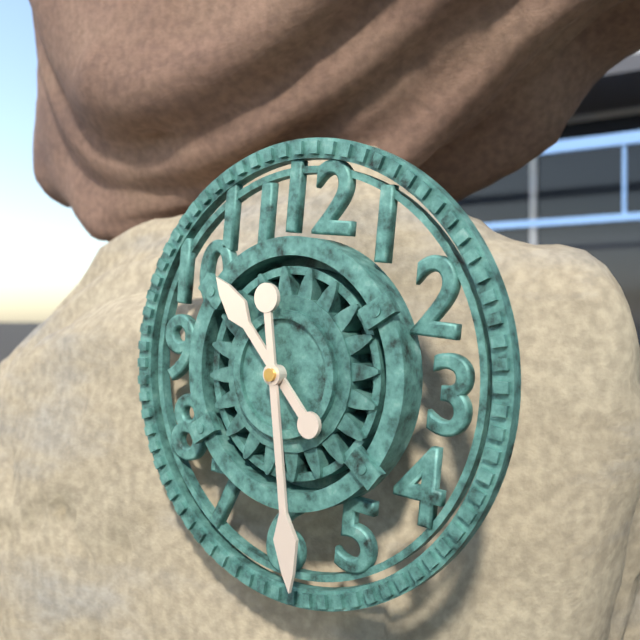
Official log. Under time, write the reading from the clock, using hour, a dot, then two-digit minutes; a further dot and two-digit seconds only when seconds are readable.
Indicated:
10.28
